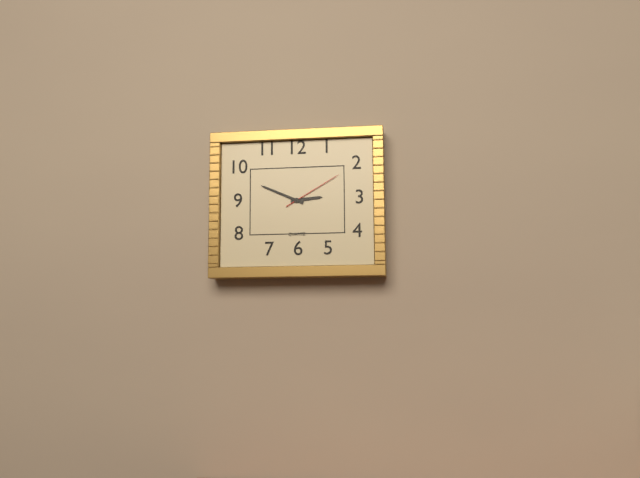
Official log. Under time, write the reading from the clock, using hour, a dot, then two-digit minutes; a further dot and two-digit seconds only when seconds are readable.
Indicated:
2.49.10
